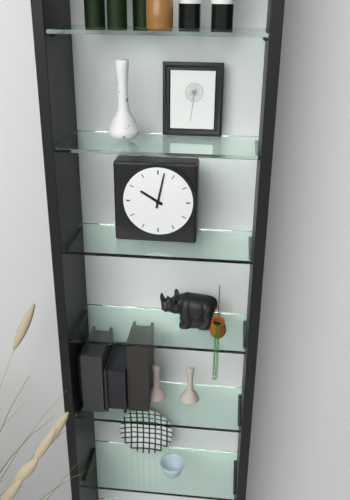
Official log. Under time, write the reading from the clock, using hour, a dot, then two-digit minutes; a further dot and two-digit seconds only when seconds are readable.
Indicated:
10.02
